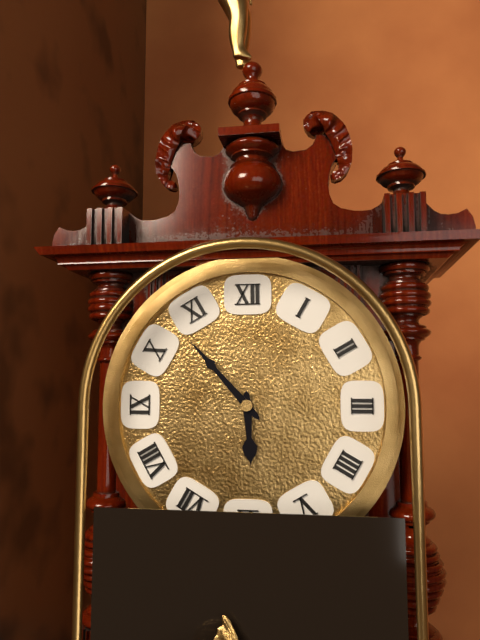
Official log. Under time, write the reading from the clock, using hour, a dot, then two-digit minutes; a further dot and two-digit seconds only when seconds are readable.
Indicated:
5.53
